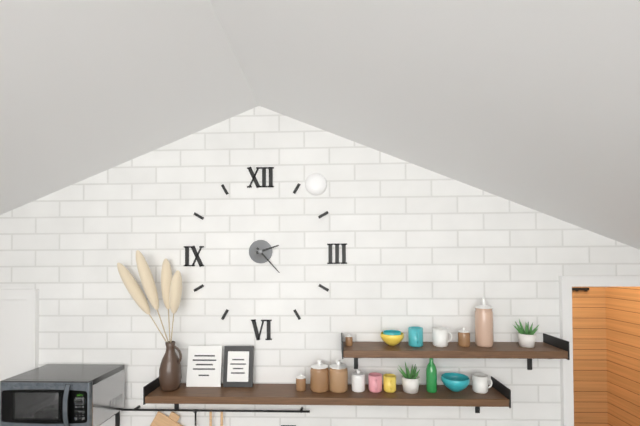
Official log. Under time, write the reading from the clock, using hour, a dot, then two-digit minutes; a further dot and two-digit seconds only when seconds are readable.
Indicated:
2.23
